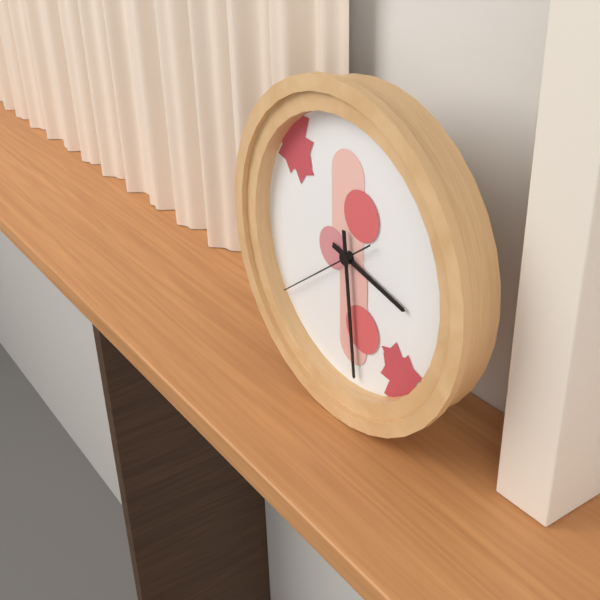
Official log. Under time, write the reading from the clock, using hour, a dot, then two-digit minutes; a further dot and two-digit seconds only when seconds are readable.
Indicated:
3.29.39
